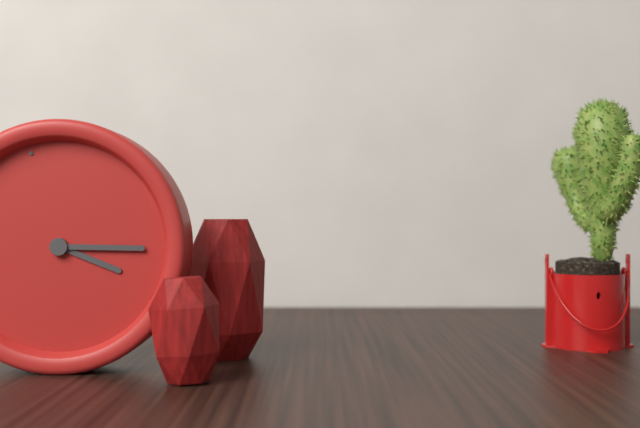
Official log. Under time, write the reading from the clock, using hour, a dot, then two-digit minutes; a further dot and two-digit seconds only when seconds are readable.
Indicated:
4.18
